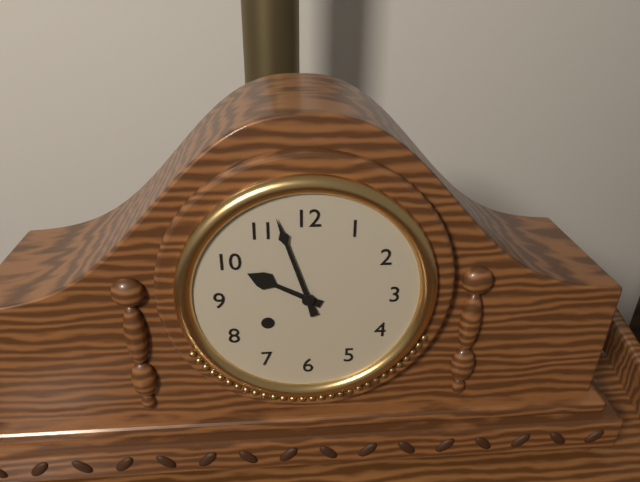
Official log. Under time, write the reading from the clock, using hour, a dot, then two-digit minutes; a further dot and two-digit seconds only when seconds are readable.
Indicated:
9.57
